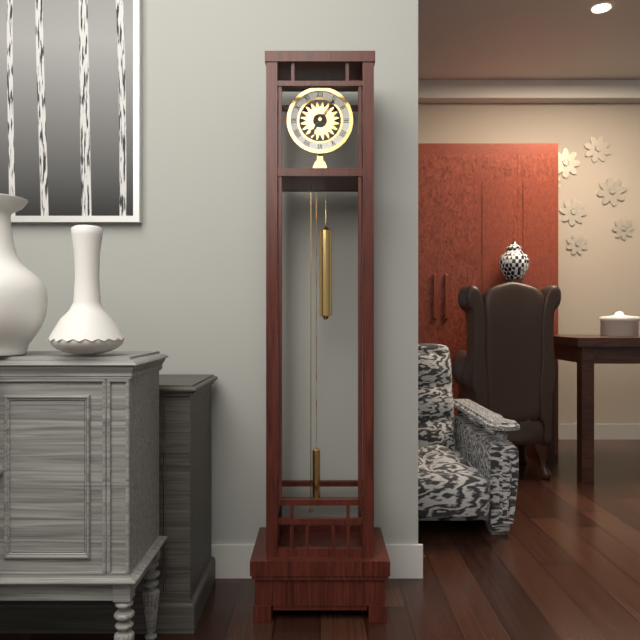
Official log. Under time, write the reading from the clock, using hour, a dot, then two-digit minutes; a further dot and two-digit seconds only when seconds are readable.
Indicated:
7.06
